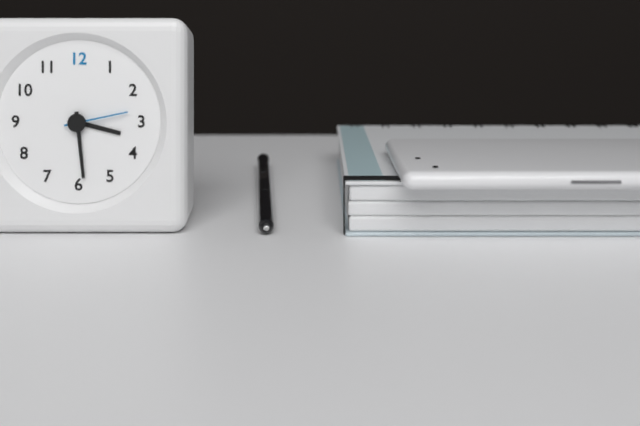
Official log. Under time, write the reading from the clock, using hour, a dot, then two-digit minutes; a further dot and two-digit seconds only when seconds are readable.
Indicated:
3.29.13
